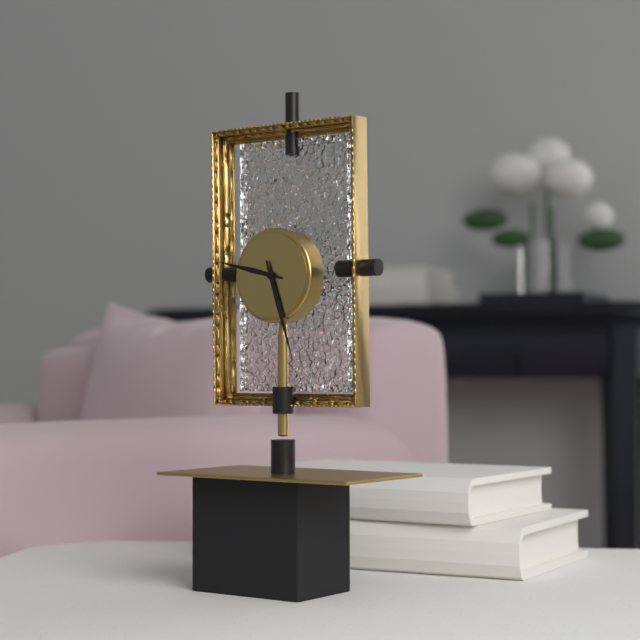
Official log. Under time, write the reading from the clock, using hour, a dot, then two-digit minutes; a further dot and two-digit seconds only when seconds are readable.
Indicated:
9.27
